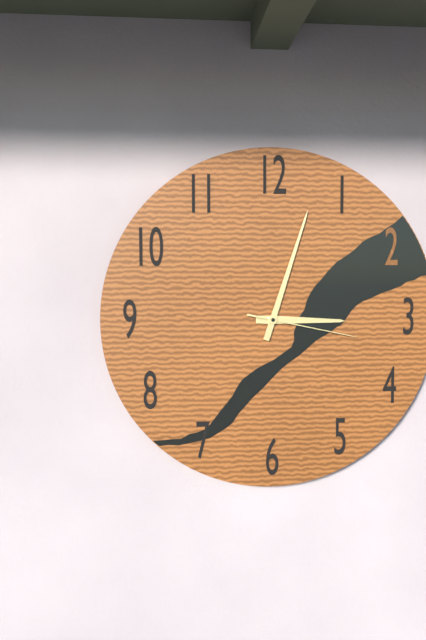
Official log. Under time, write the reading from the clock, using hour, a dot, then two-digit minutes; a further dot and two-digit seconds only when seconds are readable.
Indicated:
3.03.17
